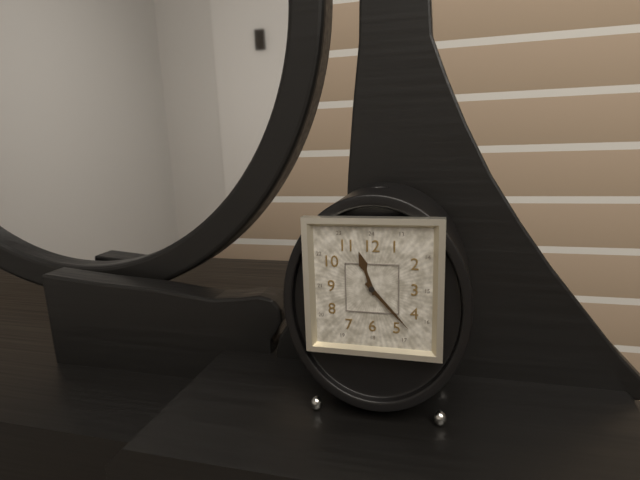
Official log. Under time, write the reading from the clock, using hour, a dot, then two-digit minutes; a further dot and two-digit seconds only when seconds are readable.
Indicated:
11.23
